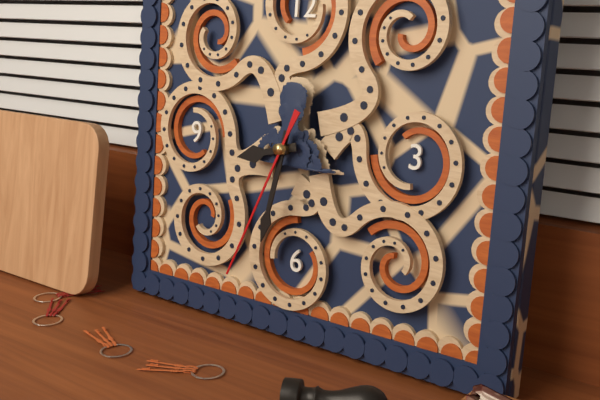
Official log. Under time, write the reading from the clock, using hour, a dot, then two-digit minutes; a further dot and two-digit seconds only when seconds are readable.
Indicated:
8.32.34
